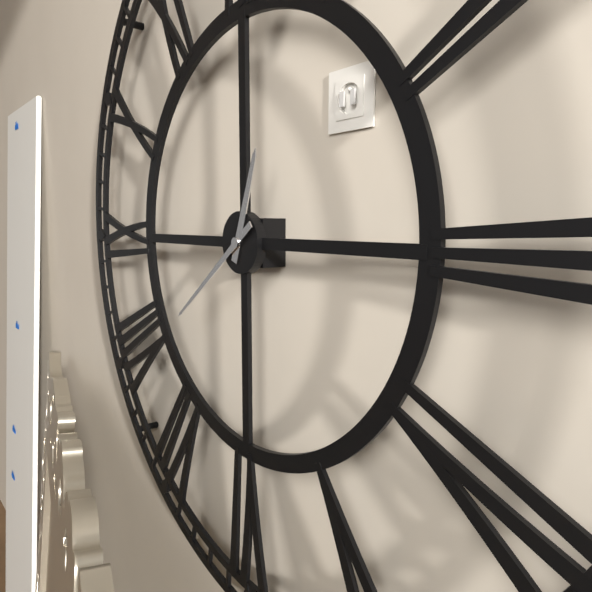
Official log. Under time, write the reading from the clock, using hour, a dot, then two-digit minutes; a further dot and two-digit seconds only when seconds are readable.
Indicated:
12.39
